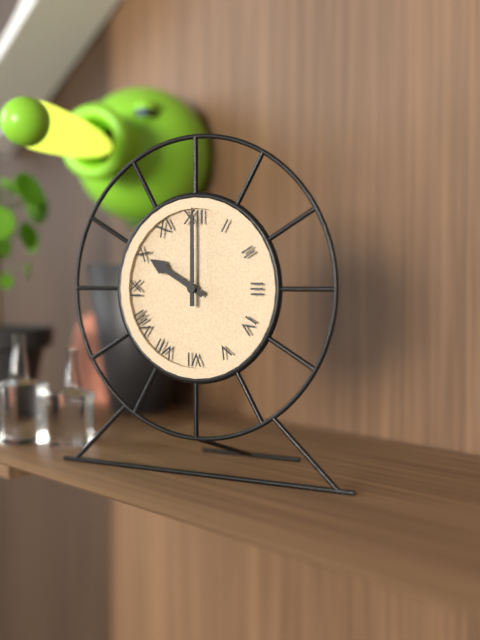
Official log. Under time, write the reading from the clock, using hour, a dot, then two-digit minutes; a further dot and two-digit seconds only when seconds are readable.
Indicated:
10.00
